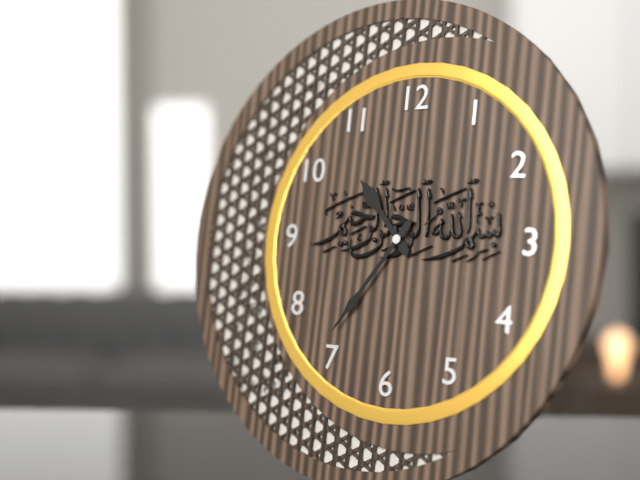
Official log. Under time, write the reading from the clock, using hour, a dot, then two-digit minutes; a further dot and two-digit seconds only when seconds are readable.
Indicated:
10.36
